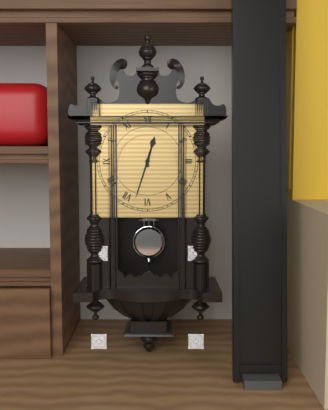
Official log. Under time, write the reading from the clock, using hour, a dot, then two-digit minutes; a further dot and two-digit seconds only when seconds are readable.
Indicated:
12.33
